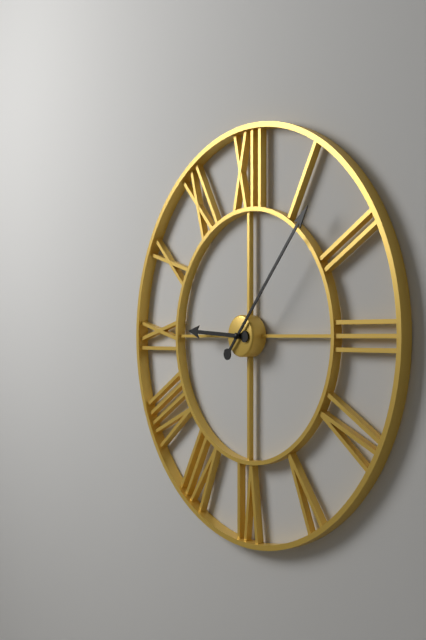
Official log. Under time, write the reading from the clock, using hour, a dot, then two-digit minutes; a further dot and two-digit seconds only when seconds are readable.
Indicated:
9.07
